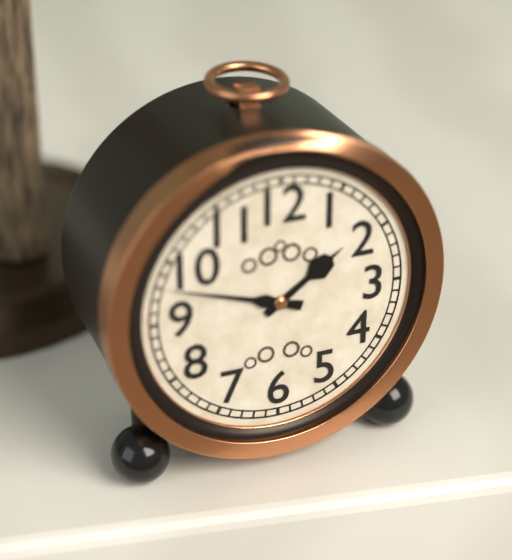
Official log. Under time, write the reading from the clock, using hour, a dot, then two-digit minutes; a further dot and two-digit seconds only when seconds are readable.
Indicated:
1.48
